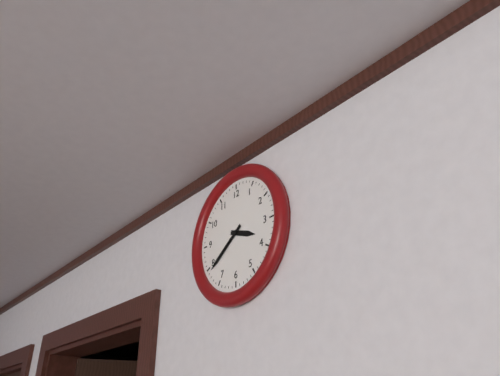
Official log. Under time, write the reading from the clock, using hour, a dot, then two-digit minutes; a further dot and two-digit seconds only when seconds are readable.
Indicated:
3.39
